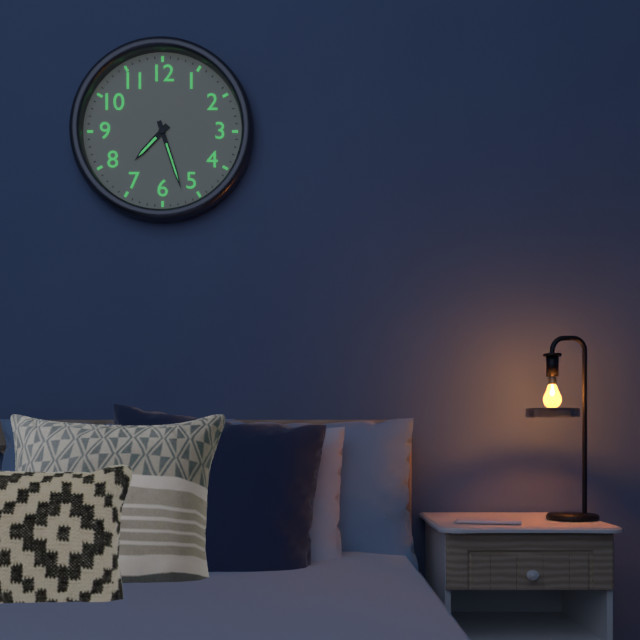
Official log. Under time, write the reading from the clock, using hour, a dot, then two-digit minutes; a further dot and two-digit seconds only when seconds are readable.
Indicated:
7.27
